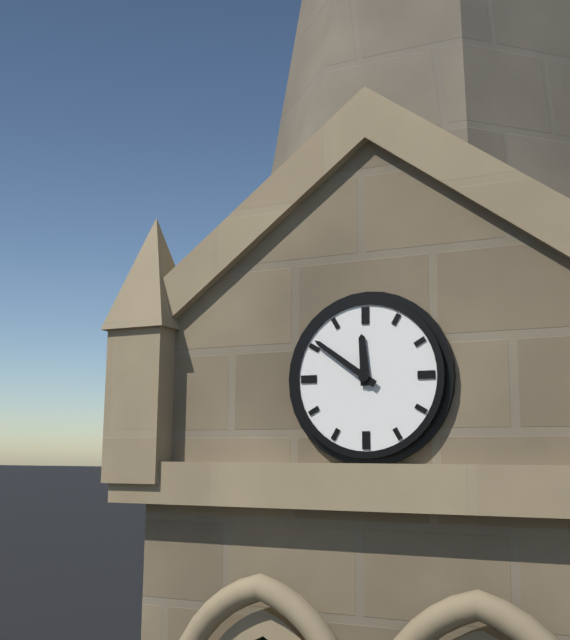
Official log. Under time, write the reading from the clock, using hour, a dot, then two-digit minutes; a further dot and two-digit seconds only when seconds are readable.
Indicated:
11.51
